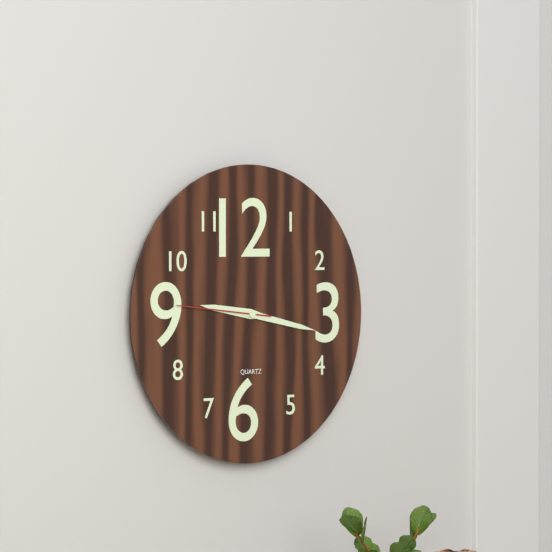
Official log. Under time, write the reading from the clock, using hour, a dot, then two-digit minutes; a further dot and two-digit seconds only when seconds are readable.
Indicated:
9.17.46
